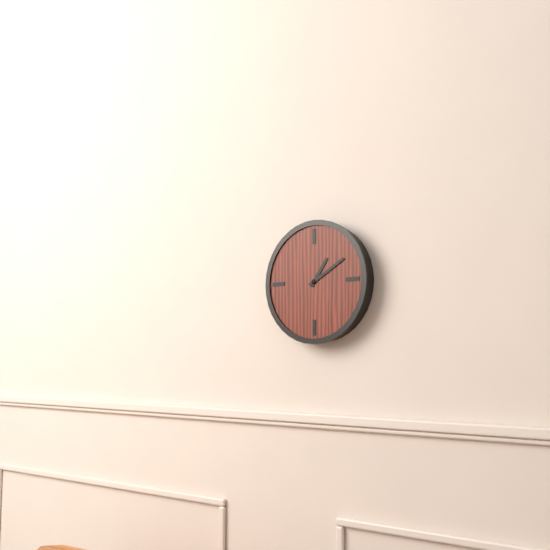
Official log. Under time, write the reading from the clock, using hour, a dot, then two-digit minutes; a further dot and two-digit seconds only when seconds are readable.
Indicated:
1.10
